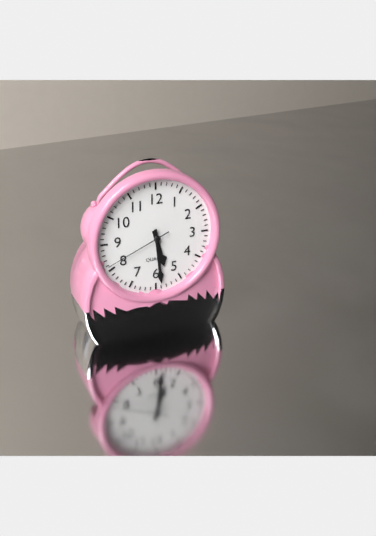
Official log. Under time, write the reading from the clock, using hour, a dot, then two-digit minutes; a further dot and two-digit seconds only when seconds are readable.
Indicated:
5.29.41
